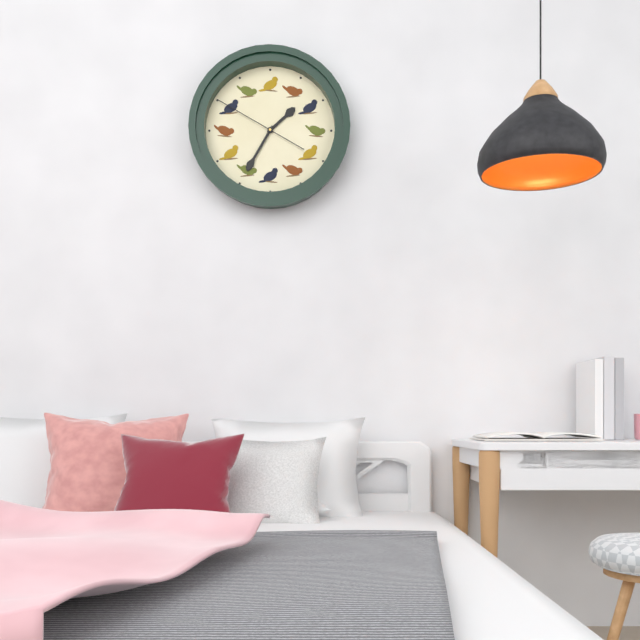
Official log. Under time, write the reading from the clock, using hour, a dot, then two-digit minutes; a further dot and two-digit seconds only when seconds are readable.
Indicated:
1.35.50
